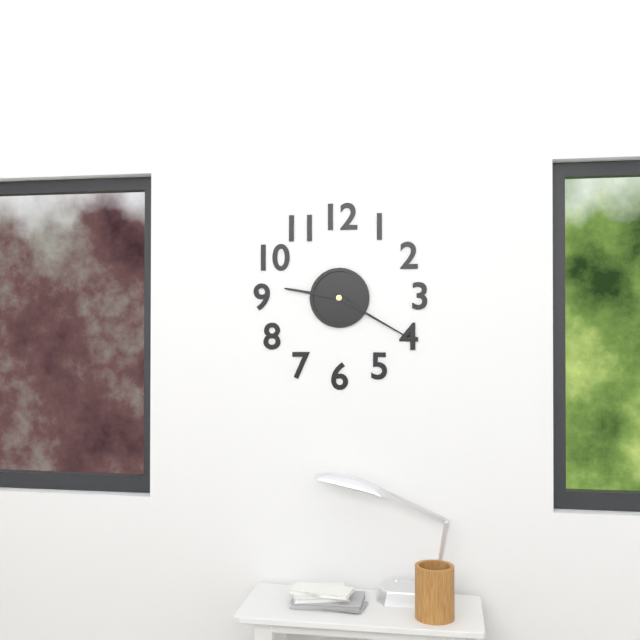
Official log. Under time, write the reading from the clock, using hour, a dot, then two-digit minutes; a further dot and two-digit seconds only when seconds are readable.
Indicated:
9.20
